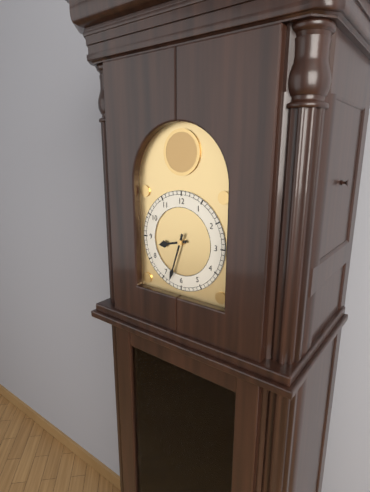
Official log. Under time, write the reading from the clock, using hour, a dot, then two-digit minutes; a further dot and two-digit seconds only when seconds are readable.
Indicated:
8.33
